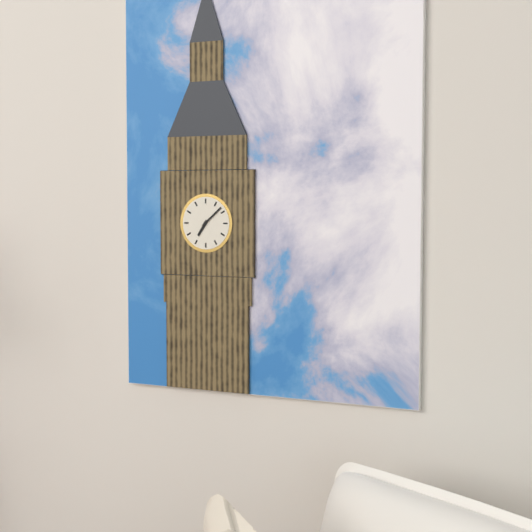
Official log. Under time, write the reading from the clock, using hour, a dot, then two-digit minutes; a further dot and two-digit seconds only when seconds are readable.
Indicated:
7.08
